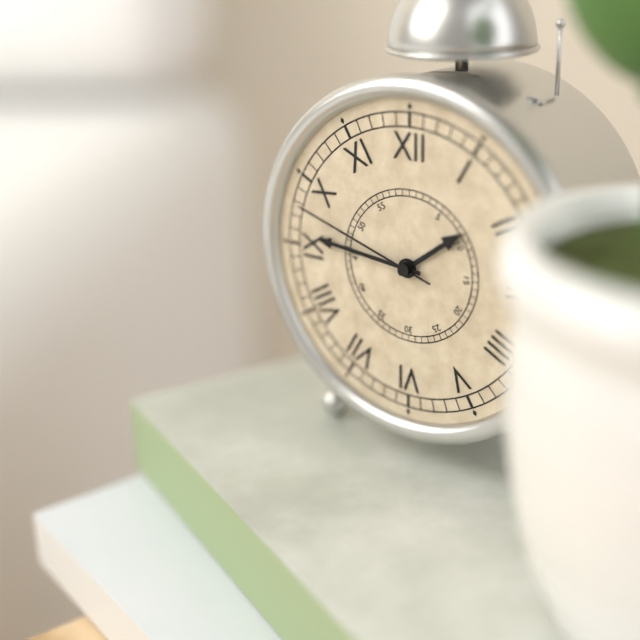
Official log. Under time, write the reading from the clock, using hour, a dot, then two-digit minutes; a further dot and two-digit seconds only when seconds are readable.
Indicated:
1.46.48
